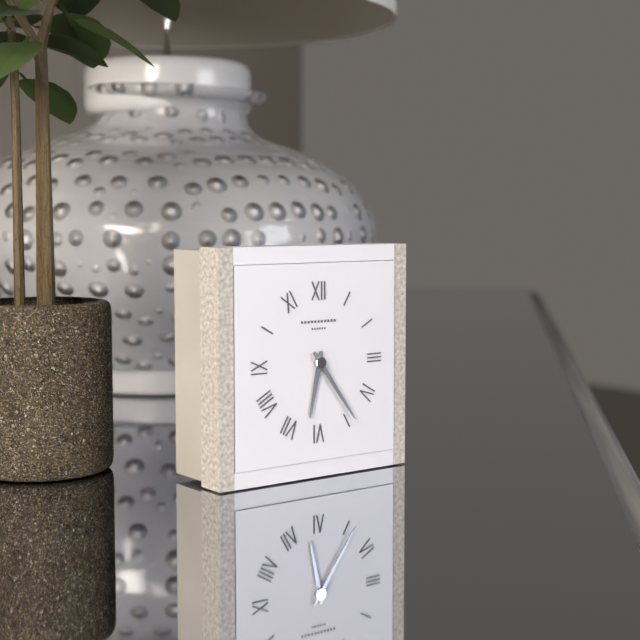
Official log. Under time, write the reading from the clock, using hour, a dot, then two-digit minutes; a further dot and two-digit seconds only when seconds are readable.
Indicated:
6.24
